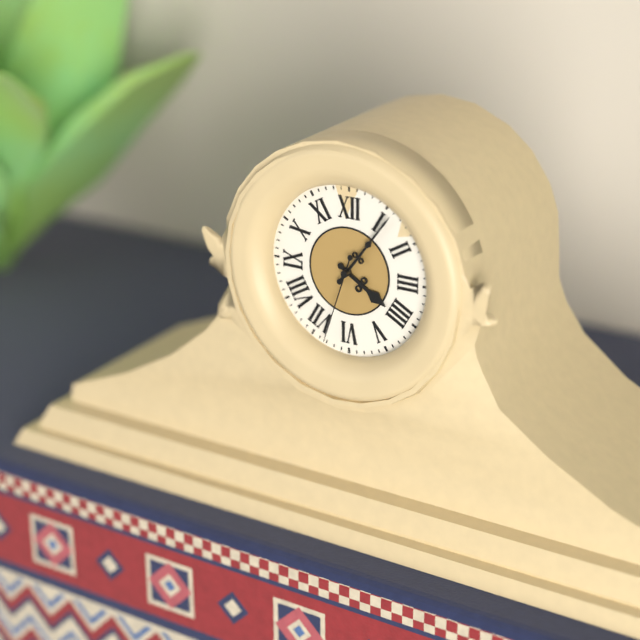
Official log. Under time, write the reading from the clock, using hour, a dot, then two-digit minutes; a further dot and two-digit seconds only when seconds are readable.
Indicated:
4.06.33
